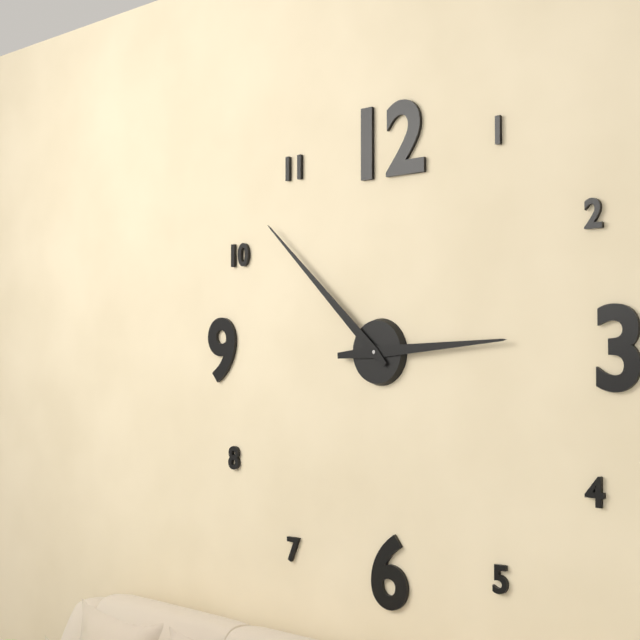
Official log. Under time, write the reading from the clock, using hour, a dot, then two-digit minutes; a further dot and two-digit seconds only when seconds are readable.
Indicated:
2.52
